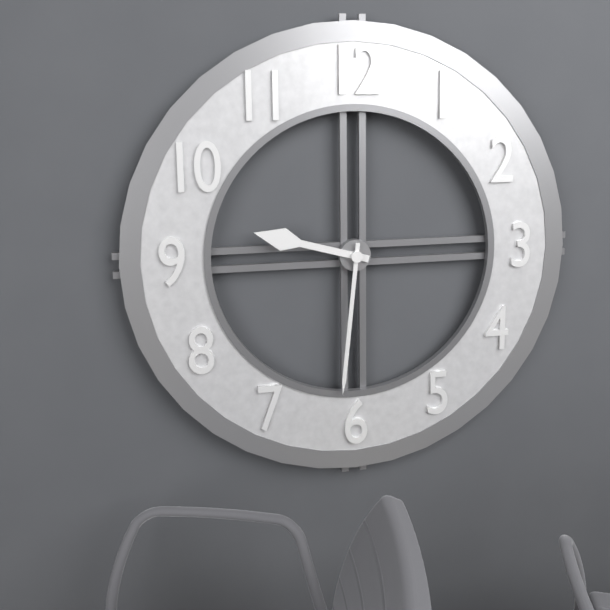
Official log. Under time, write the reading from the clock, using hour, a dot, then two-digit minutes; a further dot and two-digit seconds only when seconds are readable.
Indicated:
9.31
